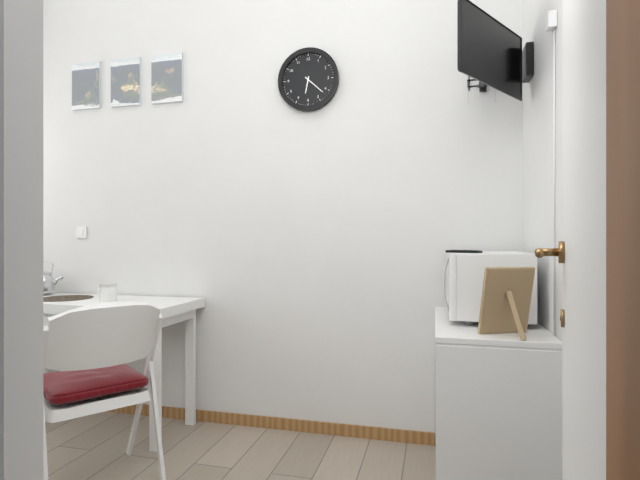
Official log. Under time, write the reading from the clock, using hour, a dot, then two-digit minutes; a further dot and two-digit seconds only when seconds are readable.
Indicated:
6.22
